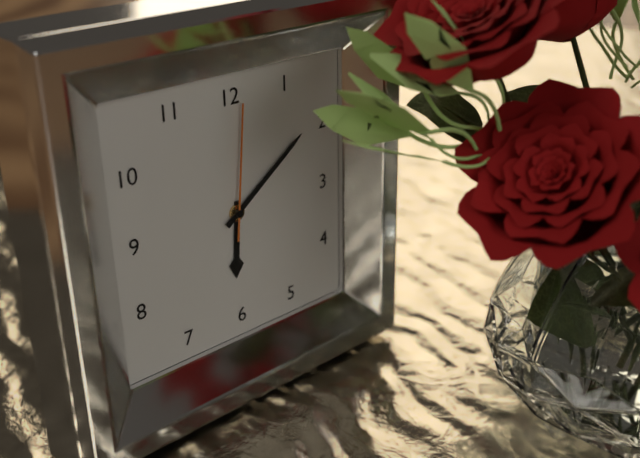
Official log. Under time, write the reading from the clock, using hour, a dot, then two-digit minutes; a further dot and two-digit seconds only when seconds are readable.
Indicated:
6.09.01
